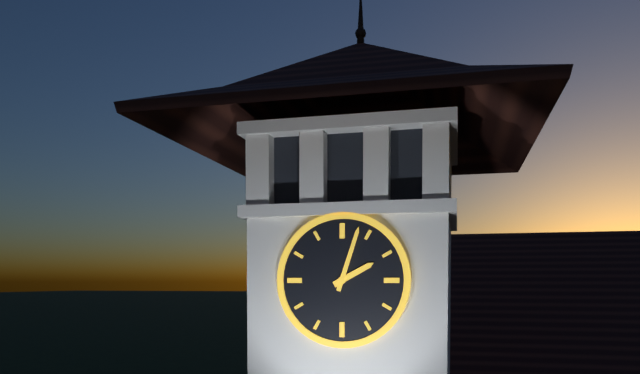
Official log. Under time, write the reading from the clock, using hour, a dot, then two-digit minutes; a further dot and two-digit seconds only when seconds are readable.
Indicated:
2.03
